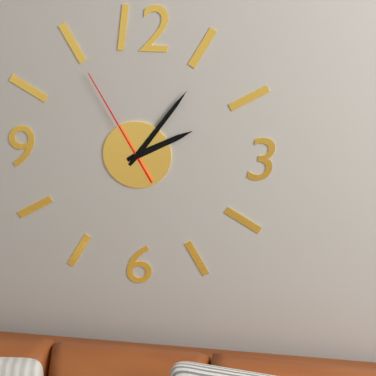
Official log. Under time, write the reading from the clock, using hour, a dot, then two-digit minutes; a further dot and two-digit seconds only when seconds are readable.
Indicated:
2.06.55
